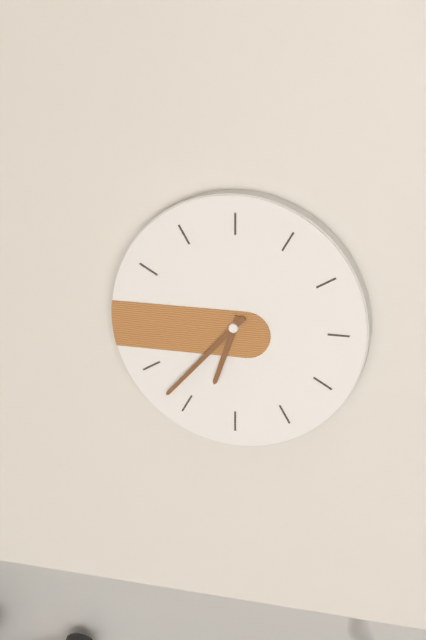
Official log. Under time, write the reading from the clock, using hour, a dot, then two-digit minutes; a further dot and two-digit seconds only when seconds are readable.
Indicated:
6.37
